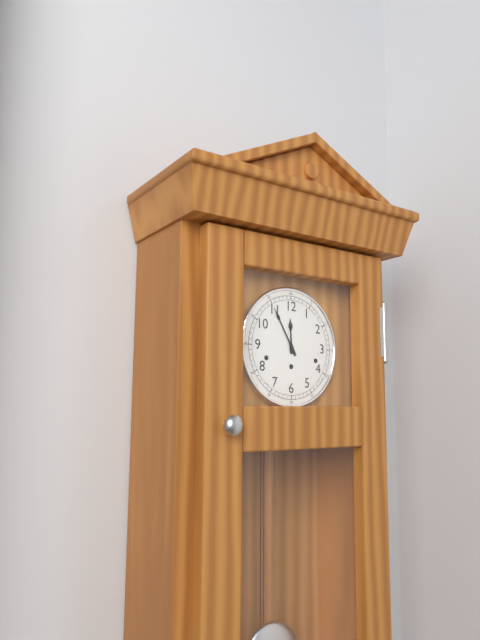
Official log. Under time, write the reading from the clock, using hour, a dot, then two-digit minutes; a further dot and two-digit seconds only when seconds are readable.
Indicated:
11.55
